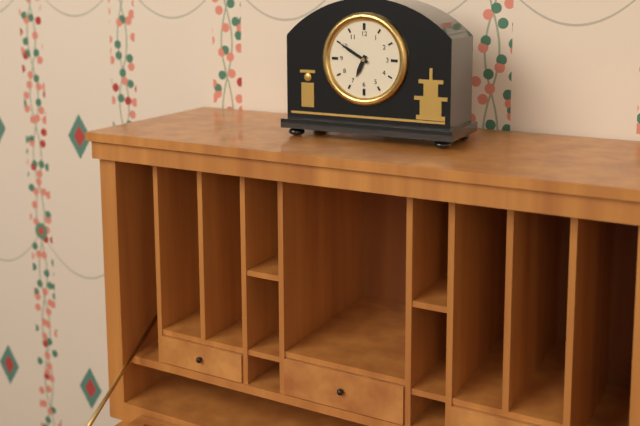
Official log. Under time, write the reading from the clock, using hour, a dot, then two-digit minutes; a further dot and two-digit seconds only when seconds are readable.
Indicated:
6.50
